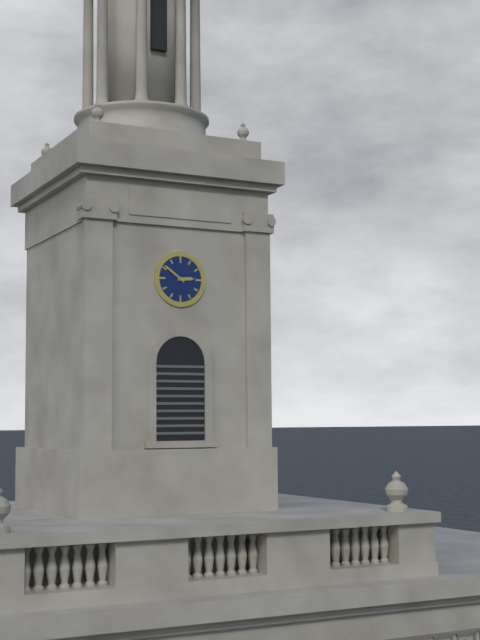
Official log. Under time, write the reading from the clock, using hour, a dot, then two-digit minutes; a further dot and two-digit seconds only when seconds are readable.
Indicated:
2.51
